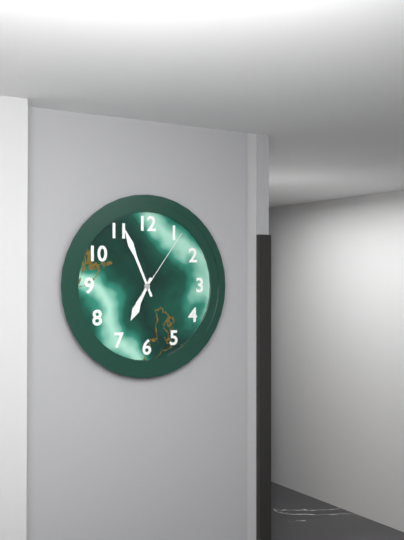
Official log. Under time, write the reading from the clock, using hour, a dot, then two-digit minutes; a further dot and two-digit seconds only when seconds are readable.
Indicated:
6.56.06
